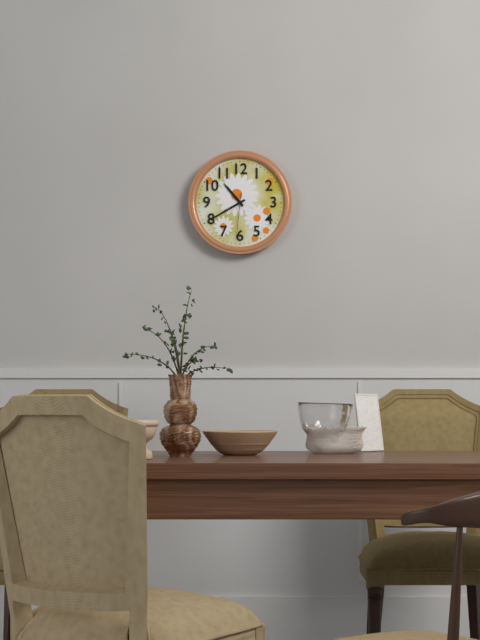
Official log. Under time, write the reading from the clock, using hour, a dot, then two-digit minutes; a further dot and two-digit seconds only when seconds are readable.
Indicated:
10.40
